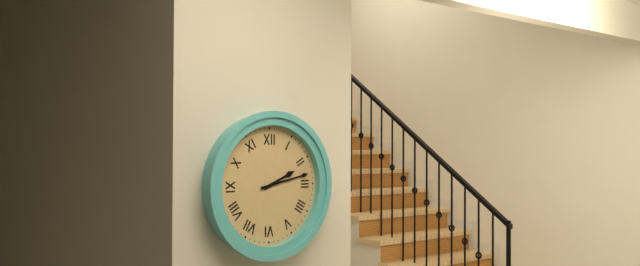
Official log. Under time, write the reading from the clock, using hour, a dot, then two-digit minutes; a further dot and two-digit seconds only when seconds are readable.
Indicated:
2.13
